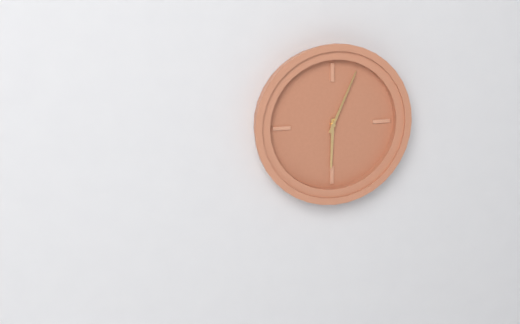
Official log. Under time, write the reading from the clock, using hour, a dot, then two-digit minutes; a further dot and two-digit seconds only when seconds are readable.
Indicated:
6.04
